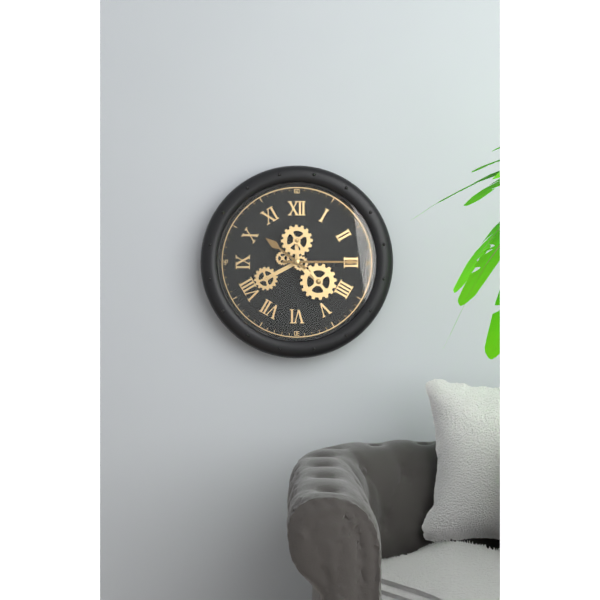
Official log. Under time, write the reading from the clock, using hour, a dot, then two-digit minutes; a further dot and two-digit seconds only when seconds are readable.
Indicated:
10.15
